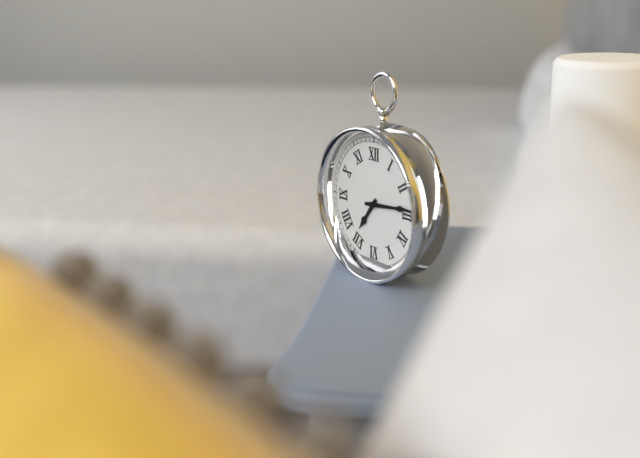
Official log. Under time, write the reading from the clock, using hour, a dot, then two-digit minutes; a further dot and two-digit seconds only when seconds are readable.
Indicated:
7.14
